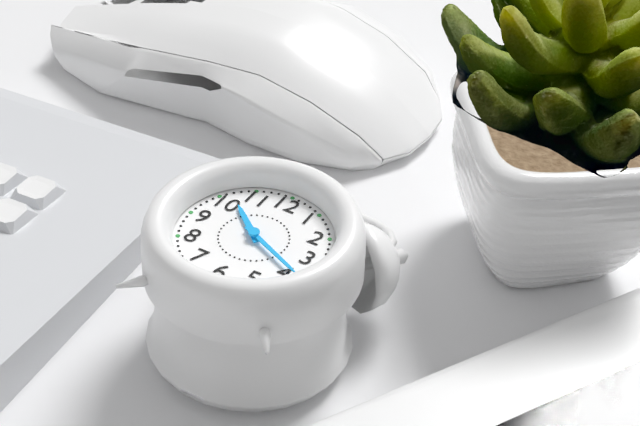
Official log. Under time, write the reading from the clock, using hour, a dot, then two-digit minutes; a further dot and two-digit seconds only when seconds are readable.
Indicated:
10.19
